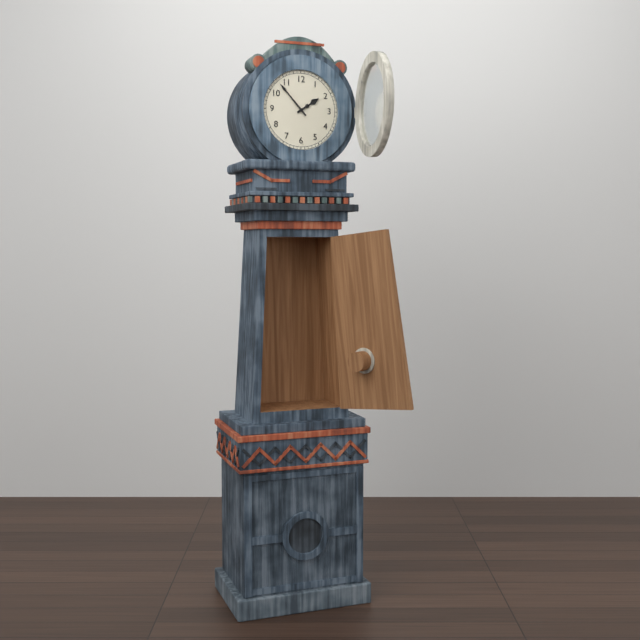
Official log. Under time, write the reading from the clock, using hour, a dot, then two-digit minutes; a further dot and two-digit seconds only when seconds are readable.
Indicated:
1.53
